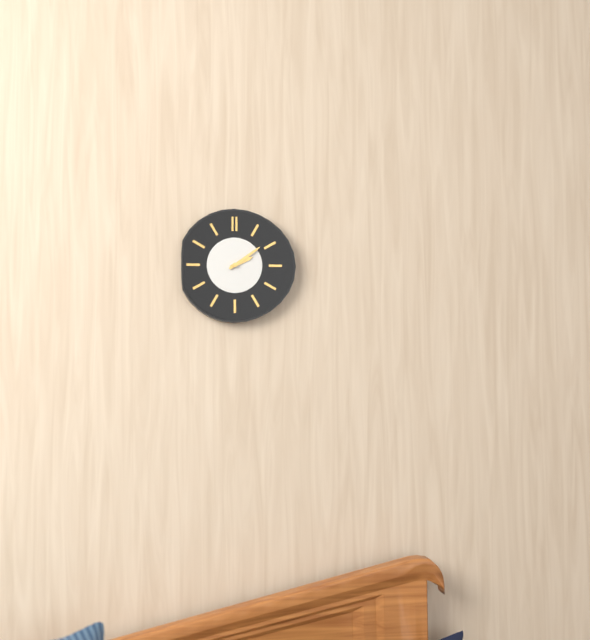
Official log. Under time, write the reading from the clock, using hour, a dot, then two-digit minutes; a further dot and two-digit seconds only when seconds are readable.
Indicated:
2.09
